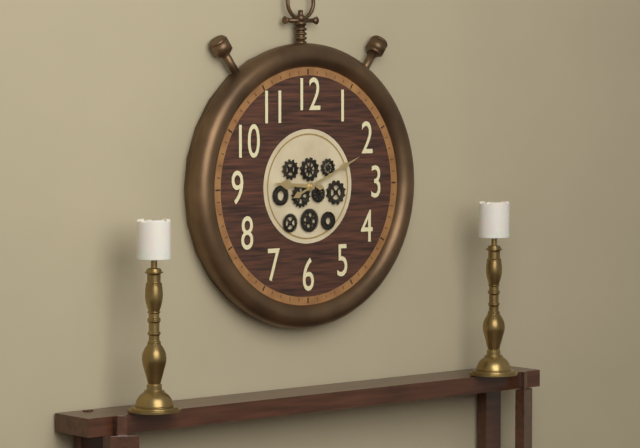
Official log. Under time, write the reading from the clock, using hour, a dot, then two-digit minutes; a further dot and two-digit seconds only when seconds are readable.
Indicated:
9.11
